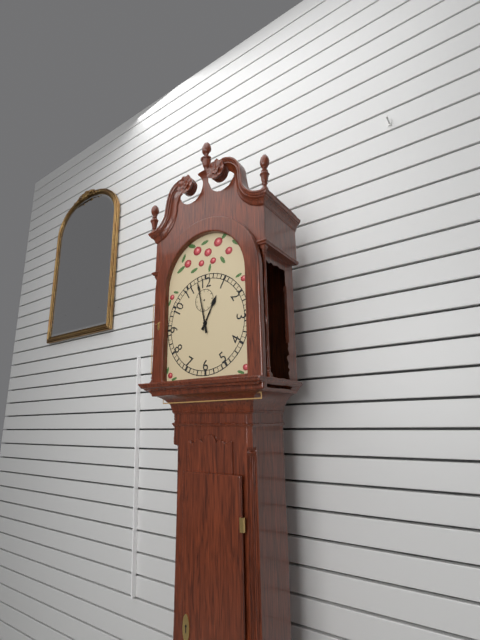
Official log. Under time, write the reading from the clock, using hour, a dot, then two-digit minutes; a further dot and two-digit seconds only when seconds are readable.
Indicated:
12.58
